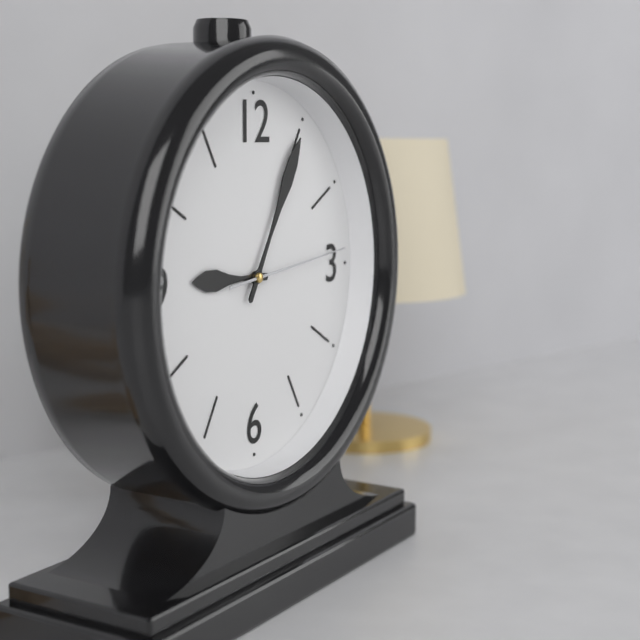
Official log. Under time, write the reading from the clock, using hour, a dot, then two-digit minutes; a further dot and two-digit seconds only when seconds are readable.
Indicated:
9.05.14
